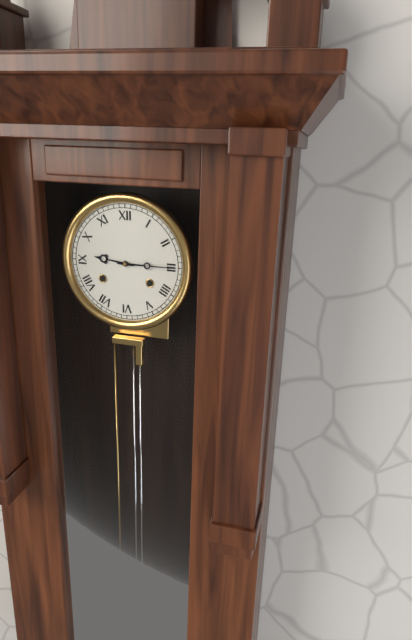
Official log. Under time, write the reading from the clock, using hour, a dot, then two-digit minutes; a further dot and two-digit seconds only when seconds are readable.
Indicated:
9.15
